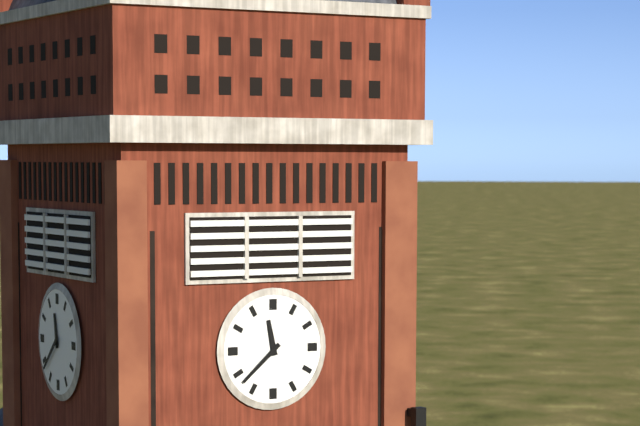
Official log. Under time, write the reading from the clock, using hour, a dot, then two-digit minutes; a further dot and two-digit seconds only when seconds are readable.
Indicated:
11.38
